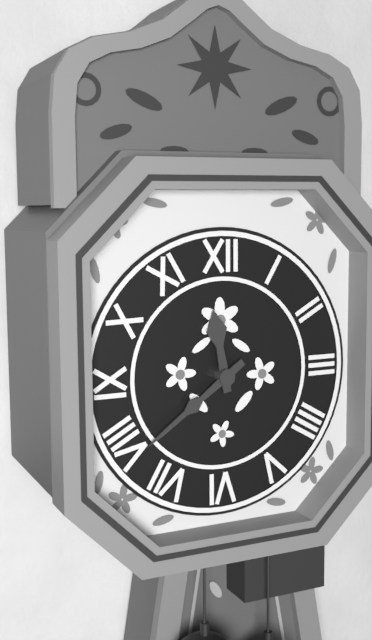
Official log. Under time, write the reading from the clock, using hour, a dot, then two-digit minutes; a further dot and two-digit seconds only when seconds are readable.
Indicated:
11.39
